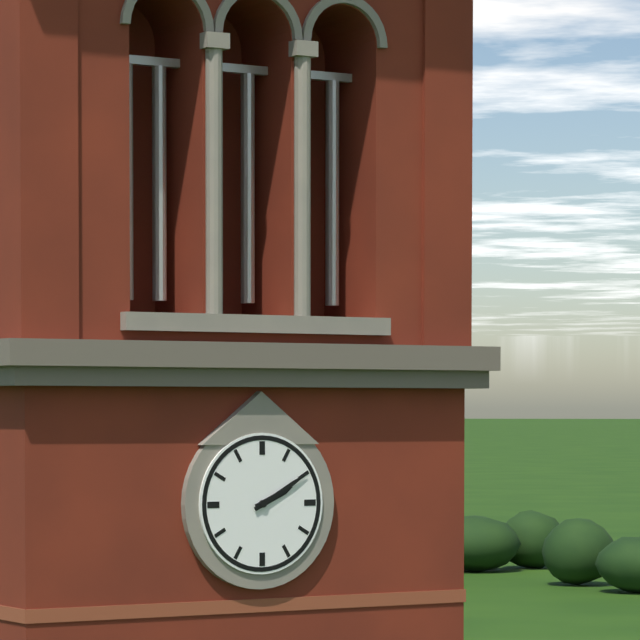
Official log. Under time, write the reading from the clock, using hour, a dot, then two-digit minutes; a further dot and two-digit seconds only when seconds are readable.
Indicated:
2.10
